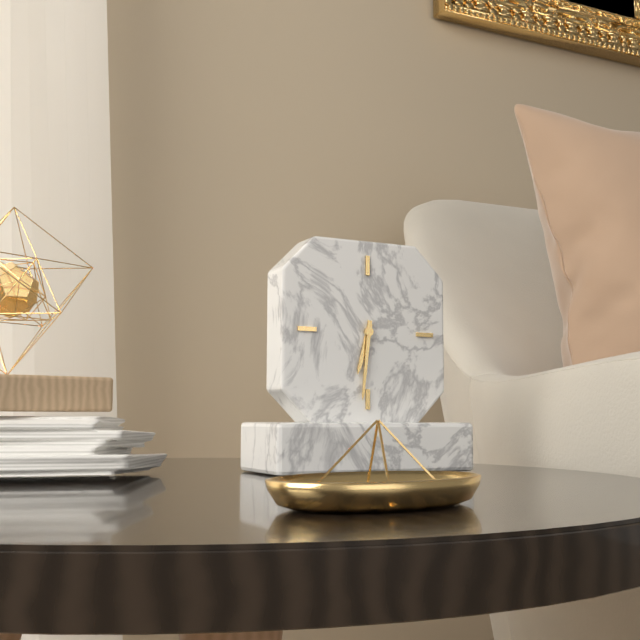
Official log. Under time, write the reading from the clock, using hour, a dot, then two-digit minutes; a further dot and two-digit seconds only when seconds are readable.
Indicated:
6.31
